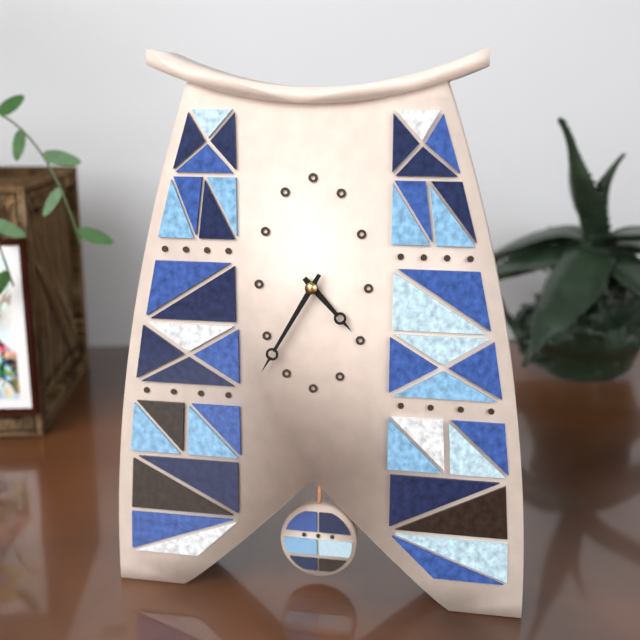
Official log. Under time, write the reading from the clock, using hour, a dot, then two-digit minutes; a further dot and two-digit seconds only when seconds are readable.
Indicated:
4.35
